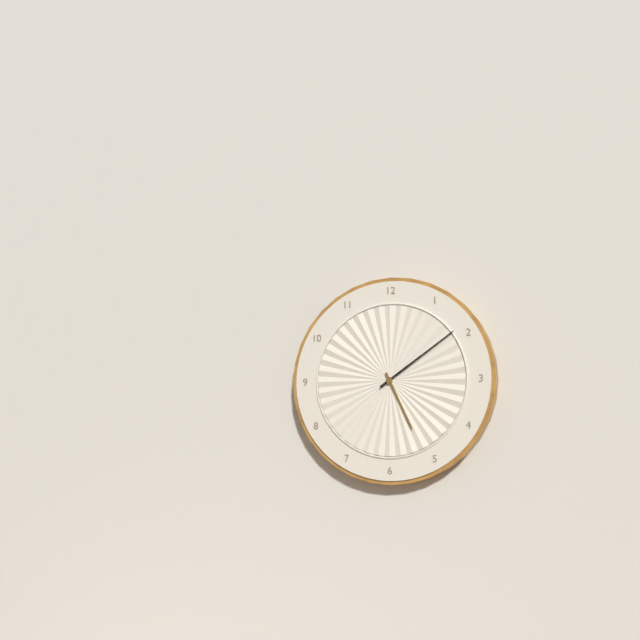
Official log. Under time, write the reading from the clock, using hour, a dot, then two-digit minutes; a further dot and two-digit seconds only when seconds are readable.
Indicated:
5.09
